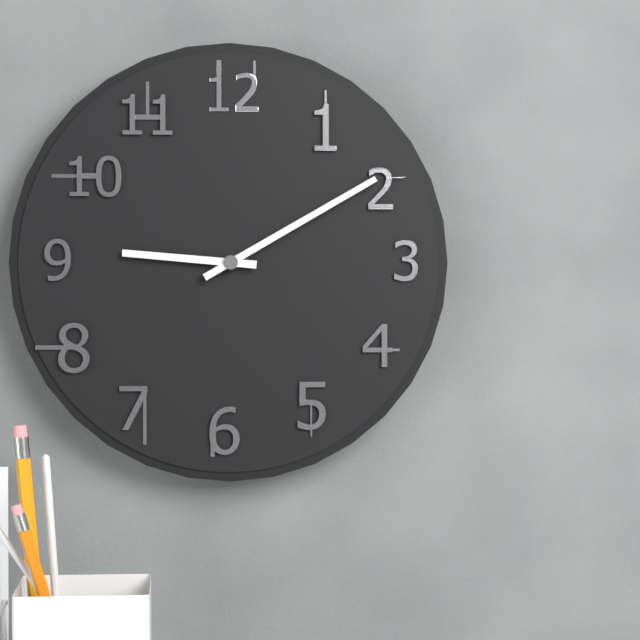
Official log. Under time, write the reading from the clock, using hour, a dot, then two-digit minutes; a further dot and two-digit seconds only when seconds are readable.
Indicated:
9.10
